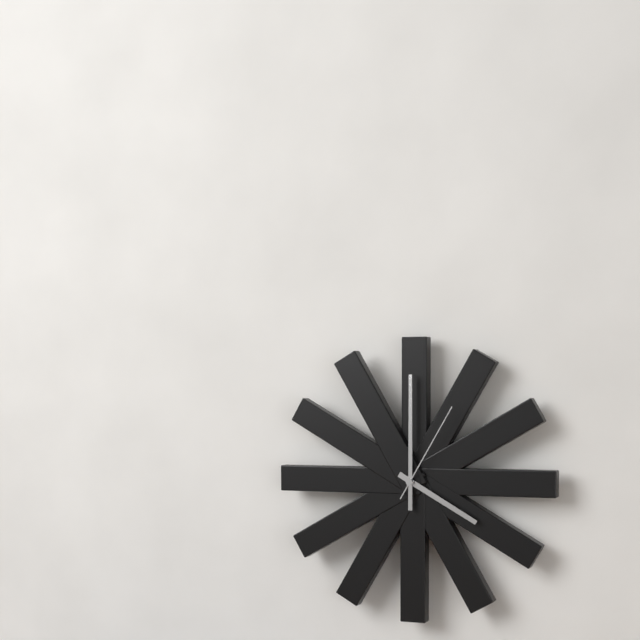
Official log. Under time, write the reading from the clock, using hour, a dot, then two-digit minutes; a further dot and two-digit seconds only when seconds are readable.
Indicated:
4.00.05
